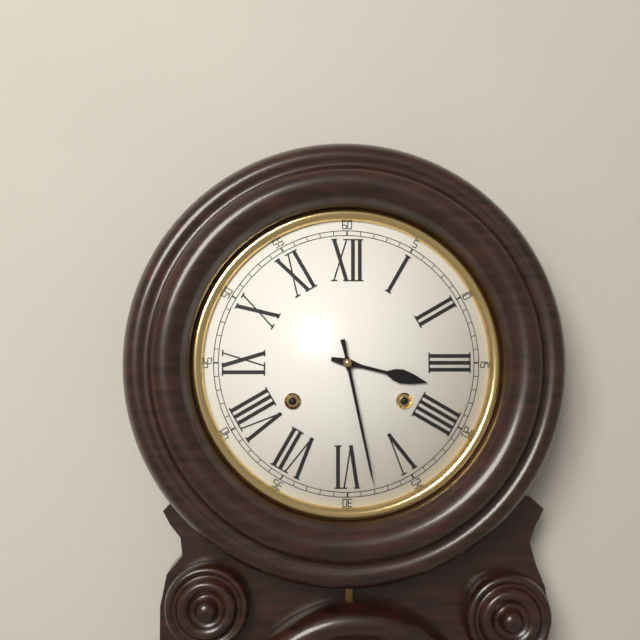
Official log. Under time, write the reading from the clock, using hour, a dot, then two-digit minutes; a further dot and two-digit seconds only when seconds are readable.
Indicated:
3.28
